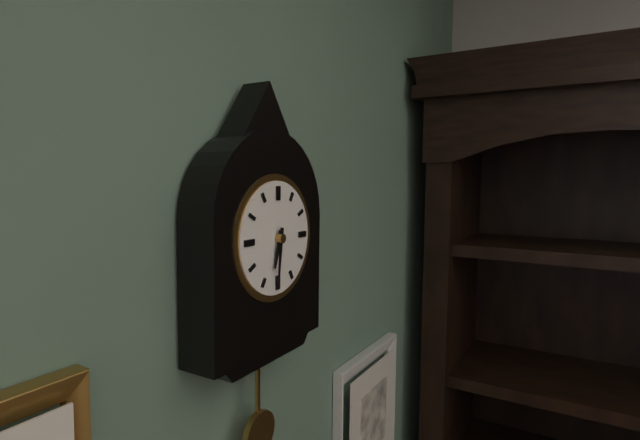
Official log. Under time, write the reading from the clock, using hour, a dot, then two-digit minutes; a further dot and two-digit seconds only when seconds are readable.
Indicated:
6.31
